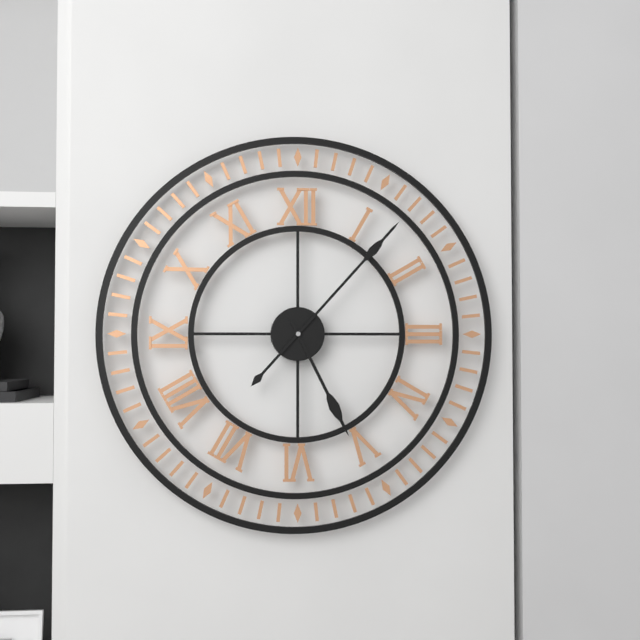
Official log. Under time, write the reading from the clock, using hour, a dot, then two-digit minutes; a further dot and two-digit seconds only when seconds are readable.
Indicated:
5.07
